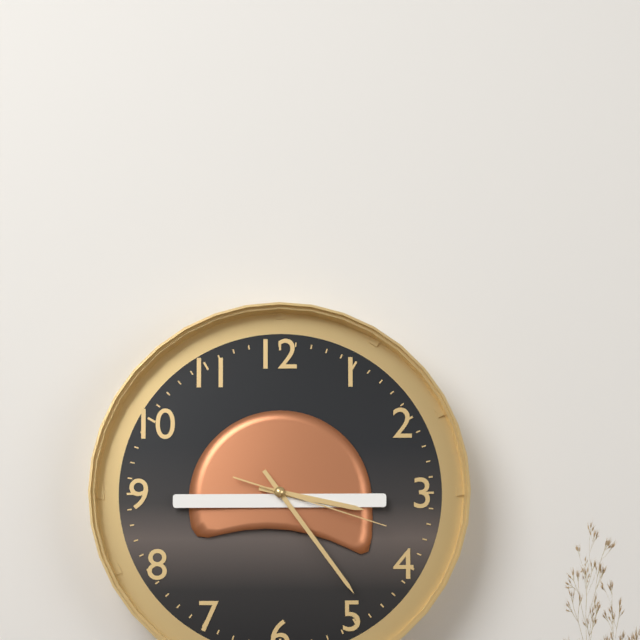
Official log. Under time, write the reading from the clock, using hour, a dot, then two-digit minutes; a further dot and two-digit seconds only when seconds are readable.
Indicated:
3.24.18
